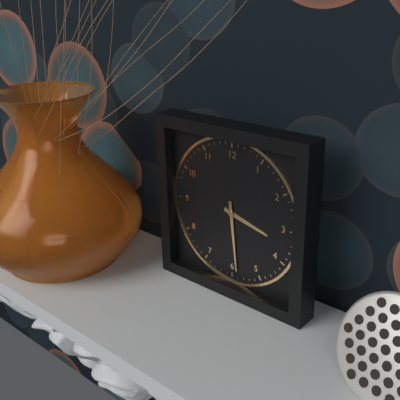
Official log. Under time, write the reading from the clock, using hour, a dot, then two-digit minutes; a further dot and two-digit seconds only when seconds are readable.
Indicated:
3.29
